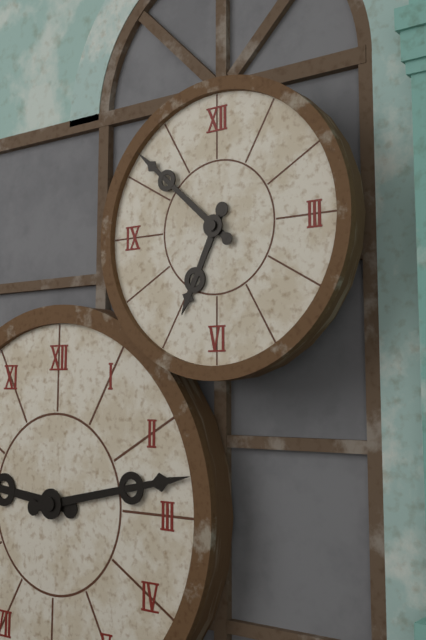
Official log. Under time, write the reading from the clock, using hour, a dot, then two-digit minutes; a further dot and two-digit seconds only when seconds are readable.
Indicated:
6.52
